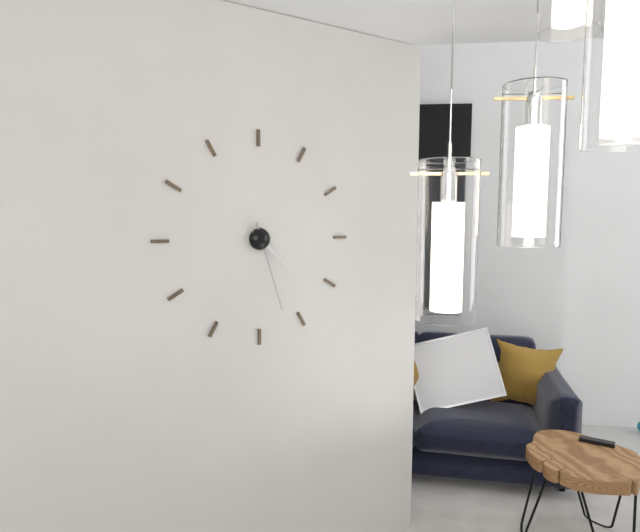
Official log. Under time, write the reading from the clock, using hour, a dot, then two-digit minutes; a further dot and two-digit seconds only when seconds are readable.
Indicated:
4.27
